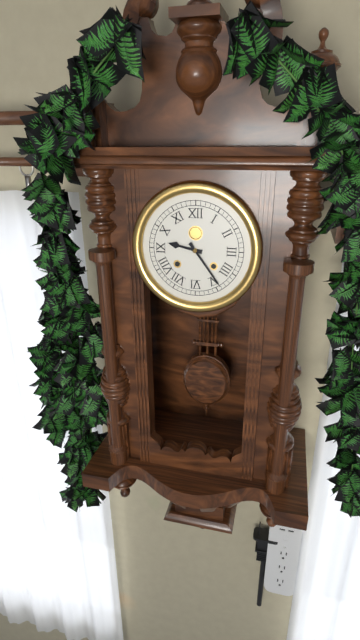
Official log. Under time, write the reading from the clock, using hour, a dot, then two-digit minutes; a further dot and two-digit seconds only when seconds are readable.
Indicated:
9.24
